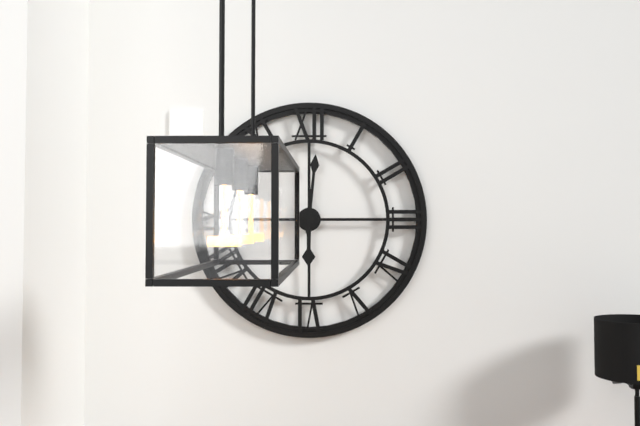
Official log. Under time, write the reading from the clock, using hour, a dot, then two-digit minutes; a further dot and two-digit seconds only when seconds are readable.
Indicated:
6.01
